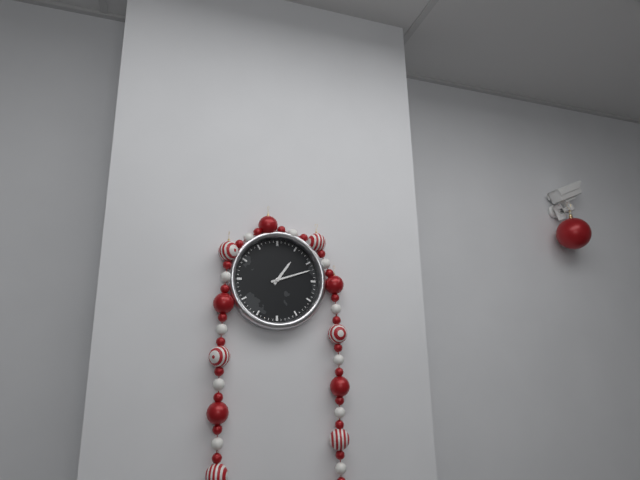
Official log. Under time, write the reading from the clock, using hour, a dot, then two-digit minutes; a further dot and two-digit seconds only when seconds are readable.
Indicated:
1.12
